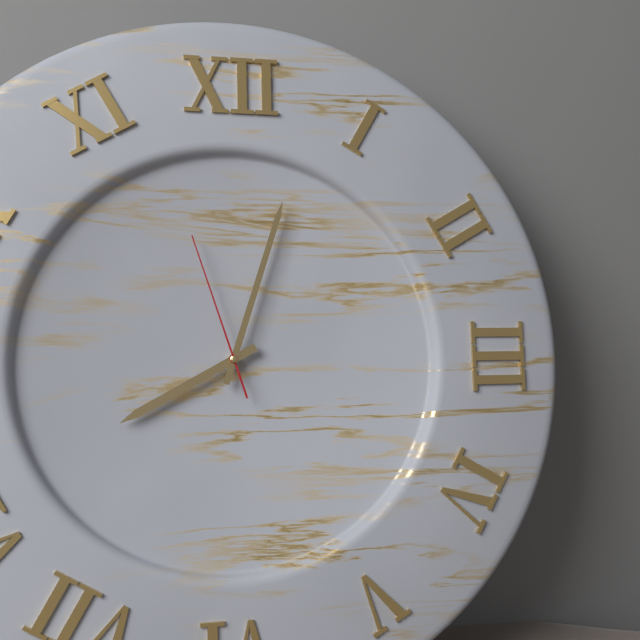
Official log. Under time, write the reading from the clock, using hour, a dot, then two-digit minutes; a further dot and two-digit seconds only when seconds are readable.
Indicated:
8.03.57
